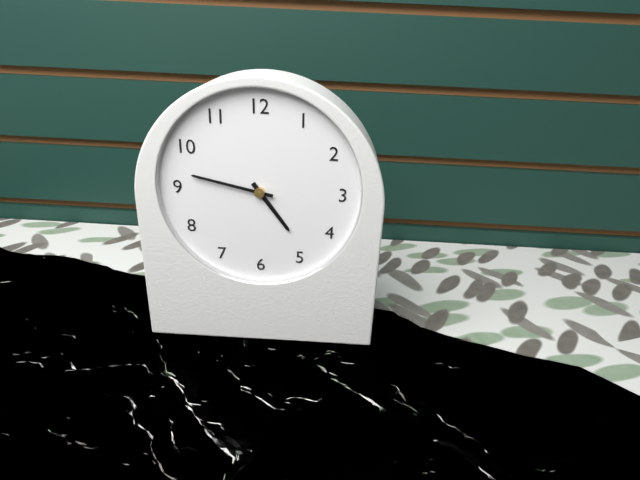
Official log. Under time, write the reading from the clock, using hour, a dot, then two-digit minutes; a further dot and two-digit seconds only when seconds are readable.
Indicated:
4.47
